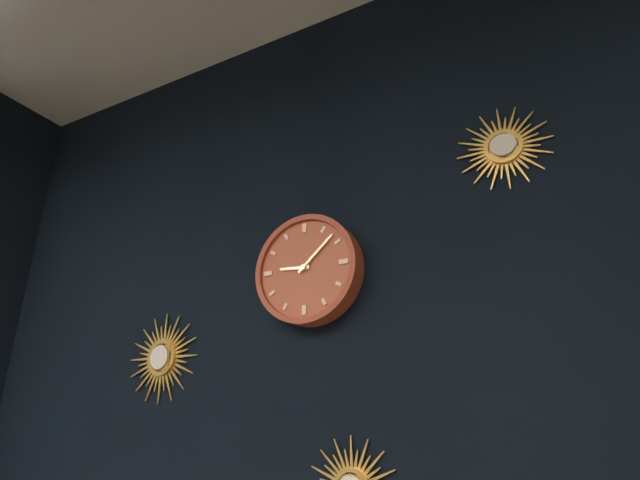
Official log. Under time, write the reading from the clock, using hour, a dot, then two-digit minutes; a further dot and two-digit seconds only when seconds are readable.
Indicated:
9.08
